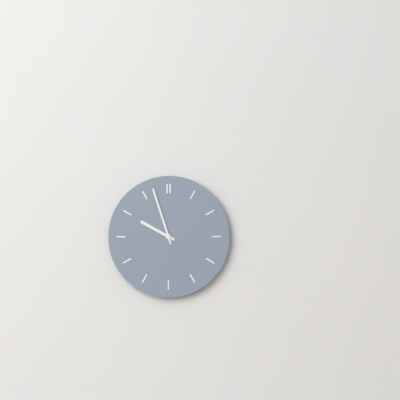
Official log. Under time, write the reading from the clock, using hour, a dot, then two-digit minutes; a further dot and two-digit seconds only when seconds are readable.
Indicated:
9.57
